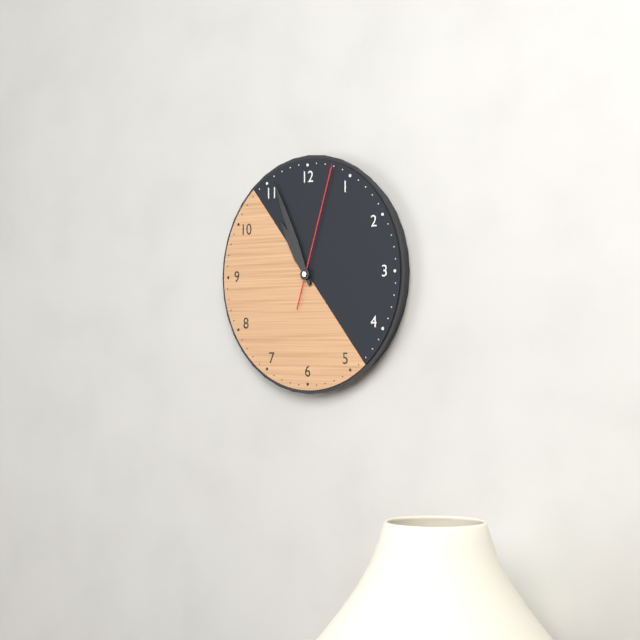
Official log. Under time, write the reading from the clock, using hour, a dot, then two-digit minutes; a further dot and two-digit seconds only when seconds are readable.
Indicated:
10.56.03
